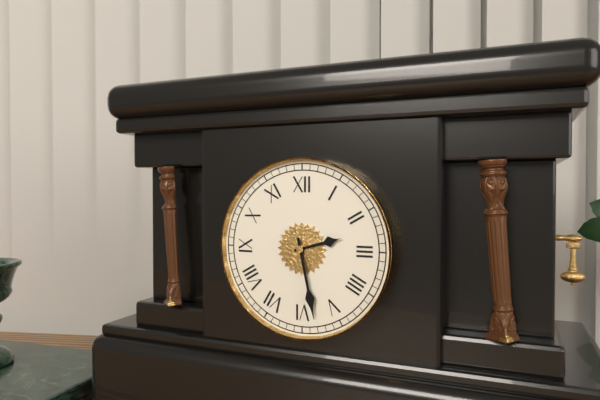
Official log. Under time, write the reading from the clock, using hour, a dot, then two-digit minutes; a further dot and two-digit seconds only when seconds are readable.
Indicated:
2.28
